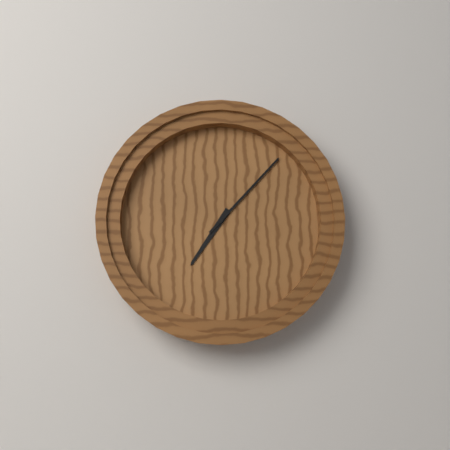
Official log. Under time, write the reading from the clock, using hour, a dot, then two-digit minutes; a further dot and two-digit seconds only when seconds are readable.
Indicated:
7.07
